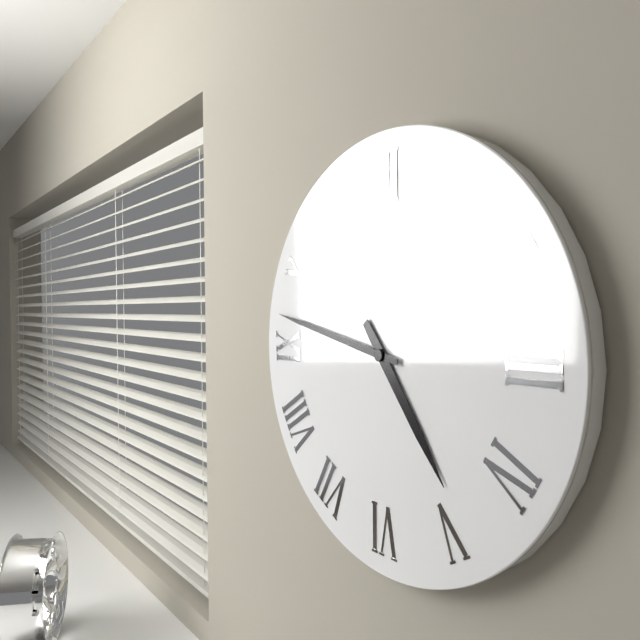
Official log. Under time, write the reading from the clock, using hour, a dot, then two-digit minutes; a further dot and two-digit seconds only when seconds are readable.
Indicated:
4.47
